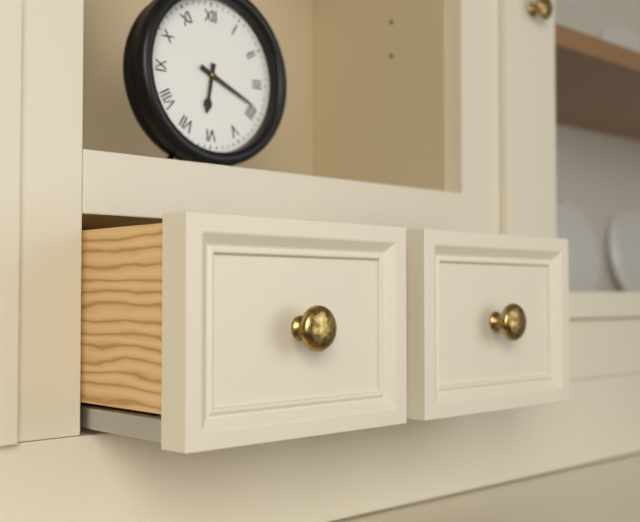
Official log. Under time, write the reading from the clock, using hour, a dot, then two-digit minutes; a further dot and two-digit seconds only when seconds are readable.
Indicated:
6.19
